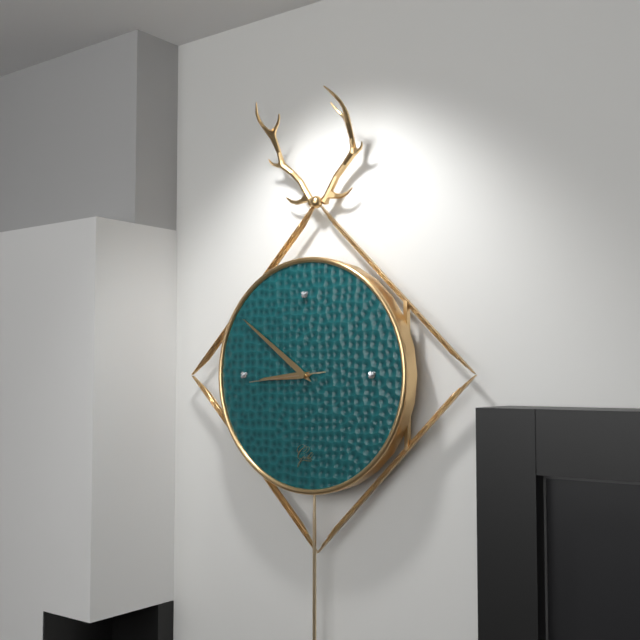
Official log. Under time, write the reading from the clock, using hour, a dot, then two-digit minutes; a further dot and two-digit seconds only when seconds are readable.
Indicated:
8.51.44
